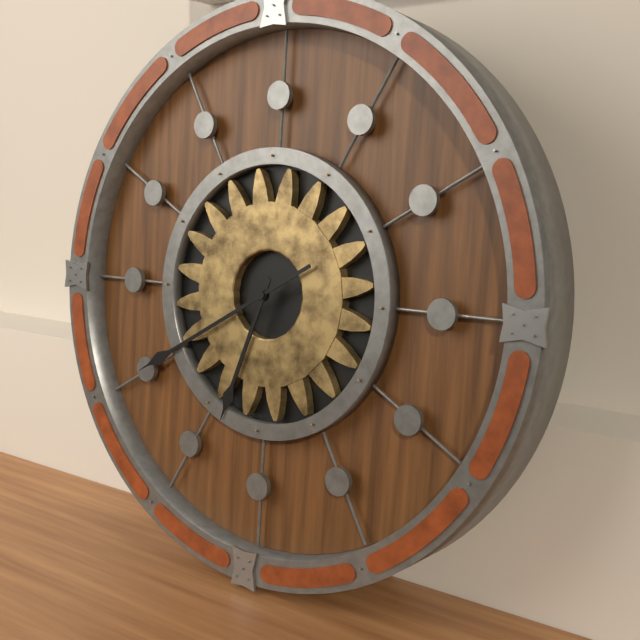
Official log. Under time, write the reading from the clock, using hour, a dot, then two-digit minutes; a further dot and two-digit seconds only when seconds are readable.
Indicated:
6.40
